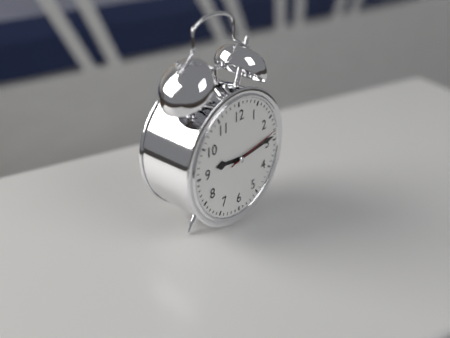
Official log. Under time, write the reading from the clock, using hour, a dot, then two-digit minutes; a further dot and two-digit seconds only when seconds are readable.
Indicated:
9.14.13
